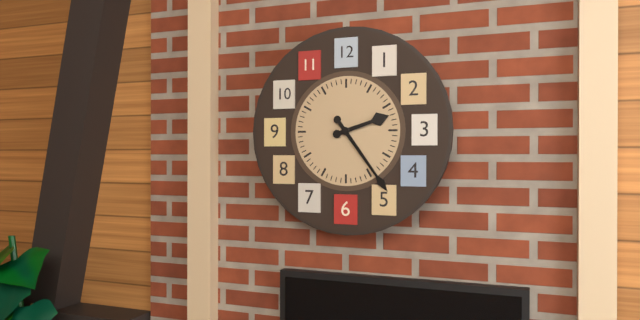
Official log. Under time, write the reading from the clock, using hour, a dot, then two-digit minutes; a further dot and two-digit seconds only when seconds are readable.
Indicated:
2.24
